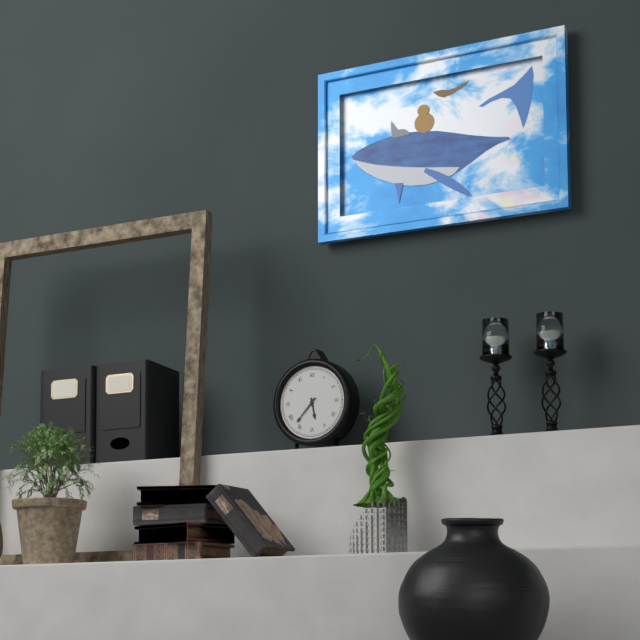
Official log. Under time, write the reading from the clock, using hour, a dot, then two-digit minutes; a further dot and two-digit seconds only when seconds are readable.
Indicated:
5.37
